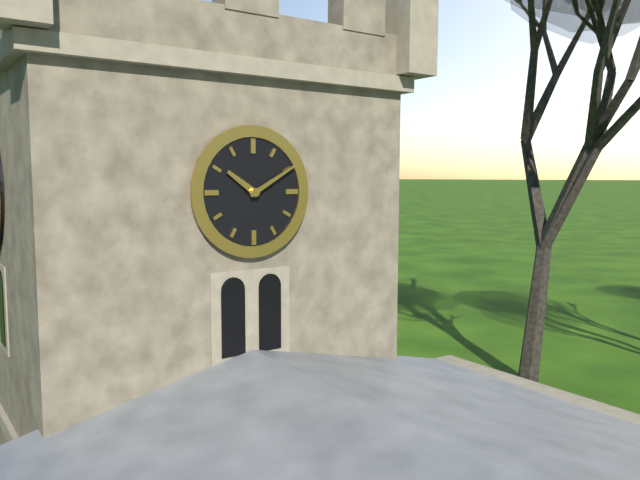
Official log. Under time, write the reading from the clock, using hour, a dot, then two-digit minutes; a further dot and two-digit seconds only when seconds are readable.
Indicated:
10.10
